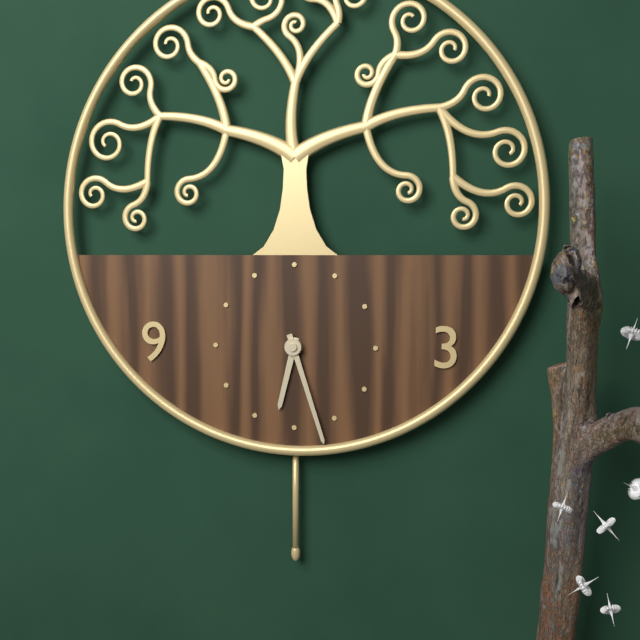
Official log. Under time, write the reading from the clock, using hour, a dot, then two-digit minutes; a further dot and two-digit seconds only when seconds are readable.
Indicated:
6.27
